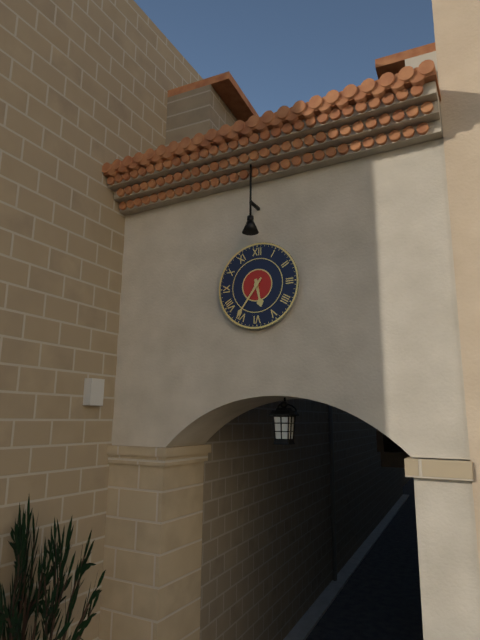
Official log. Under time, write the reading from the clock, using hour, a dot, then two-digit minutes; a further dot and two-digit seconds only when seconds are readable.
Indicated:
5.36
